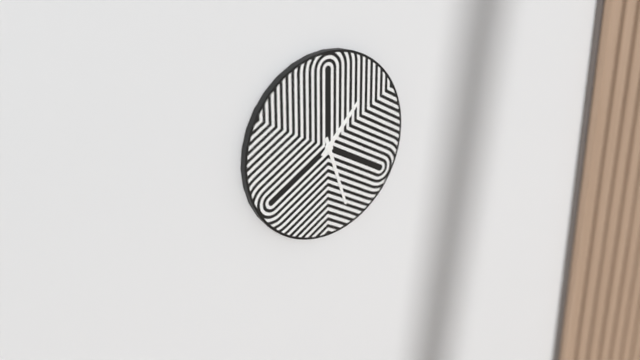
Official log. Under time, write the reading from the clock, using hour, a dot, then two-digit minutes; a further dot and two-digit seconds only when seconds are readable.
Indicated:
1.27
